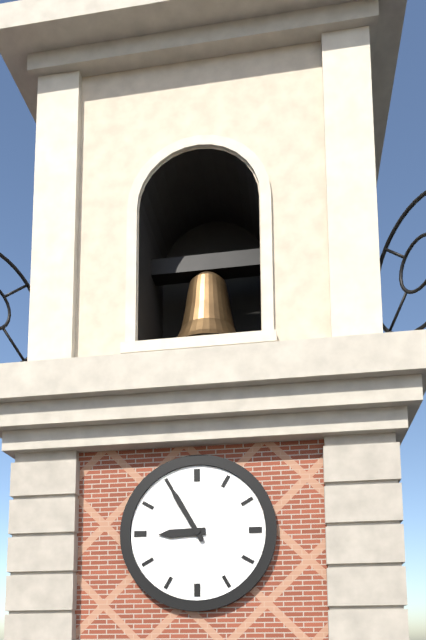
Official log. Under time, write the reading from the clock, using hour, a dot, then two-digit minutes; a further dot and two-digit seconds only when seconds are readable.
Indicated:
8.55
